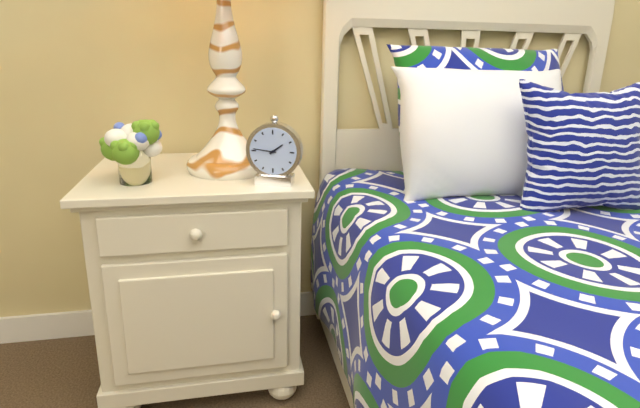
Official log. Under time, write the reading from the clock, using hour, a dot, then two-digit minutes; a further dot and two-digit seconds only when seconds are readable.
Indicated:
1.46
